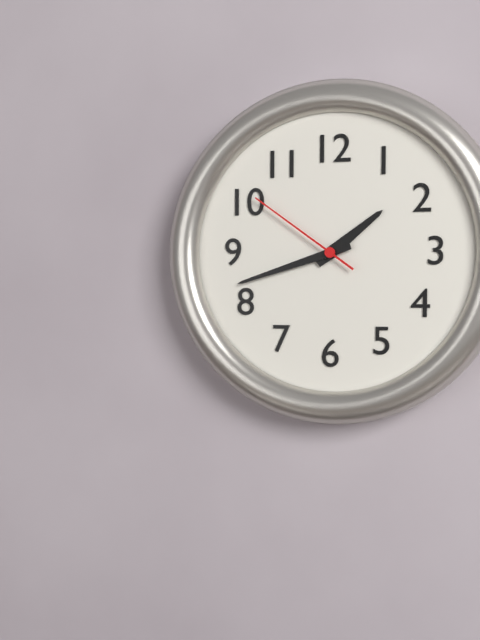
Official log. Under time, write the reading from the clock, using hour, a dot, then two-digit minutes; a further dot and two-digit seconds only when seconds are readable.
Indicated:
1.42.51
